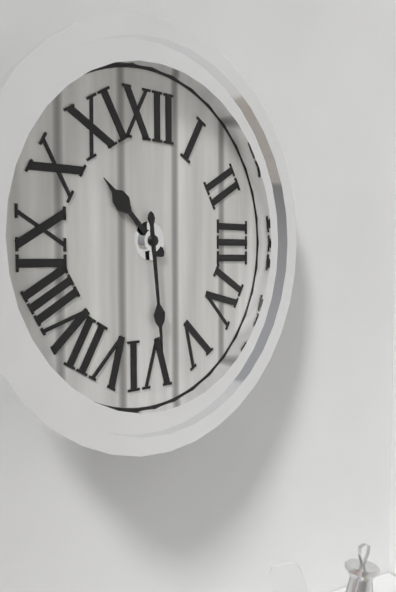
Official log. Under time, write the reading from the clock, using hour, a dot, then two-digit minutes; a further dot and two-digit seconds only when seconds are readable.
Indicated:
10.29
